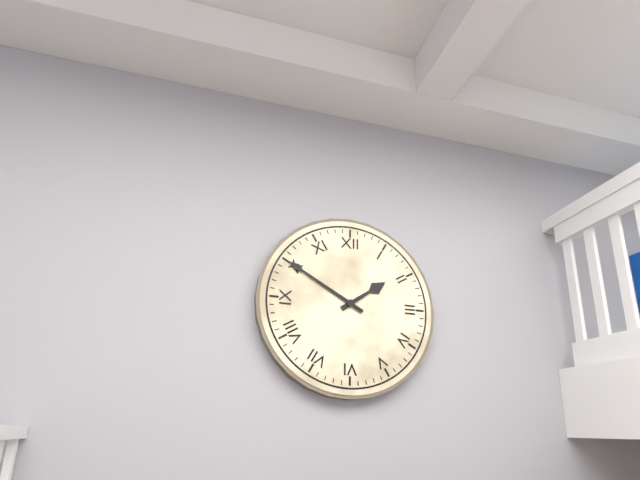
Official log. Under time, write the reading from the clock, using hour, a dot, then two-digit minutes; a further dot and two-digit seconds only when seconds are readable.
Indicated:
1.50
